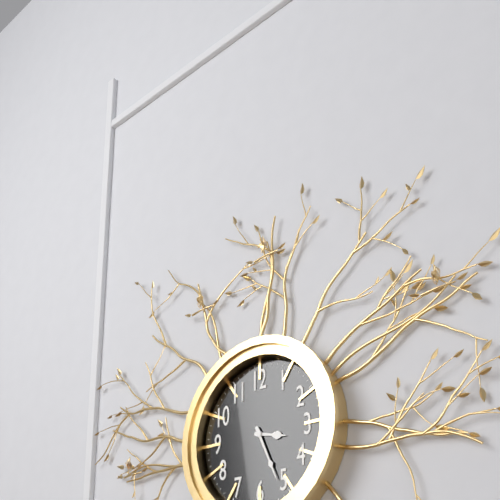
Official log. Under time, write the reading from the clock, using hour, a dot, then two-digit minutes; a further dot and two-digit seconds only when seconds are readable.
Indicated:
3.26
